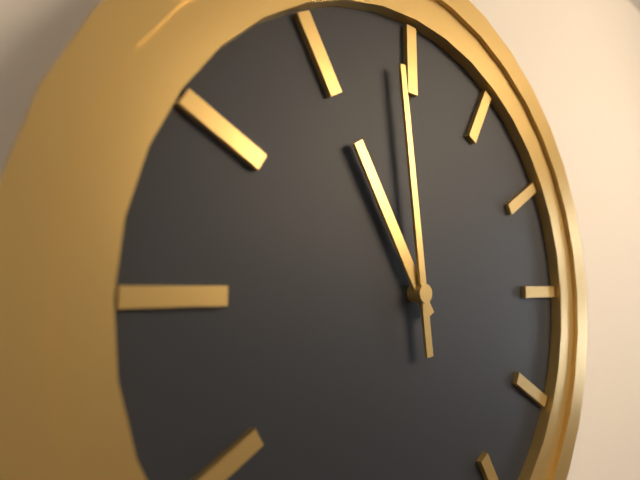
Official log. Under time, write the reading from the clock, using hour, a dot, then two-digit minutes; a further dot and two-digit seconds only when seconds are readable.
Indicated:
10.59
